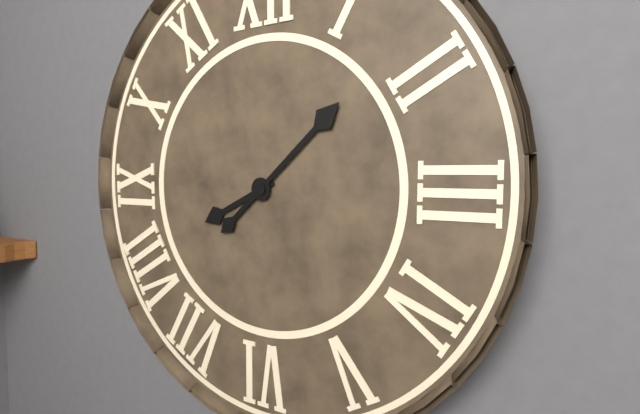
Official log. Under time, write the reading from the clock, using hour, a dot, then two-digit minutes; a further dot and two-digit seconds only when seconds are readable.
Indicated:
8.08
